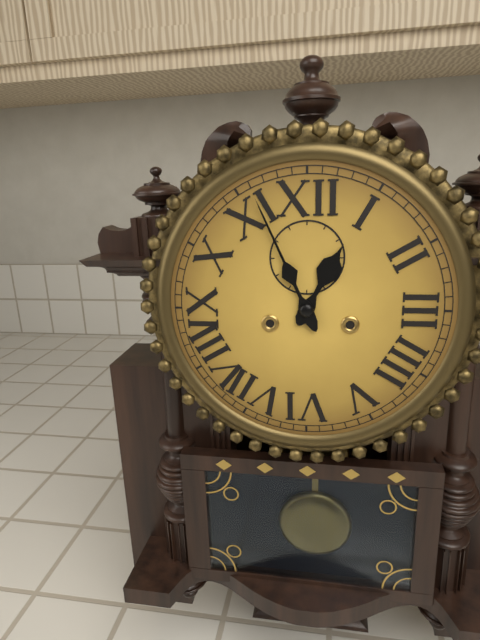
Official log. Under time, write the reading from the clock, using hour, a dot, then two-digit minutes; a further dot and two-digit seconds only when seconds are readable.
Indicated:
12.56
